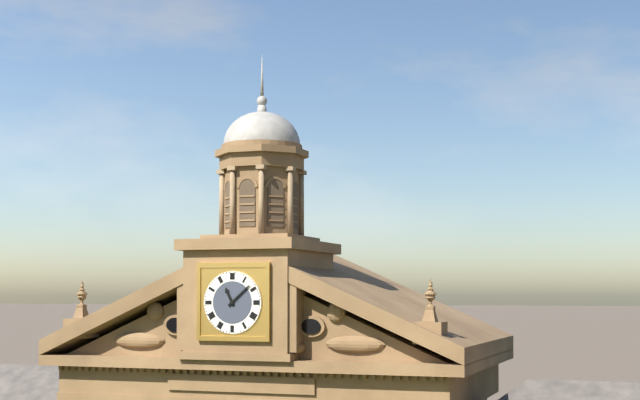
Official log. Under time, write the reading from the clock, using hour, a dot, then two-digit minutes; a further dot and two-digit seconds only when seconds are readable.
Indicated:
11.08
